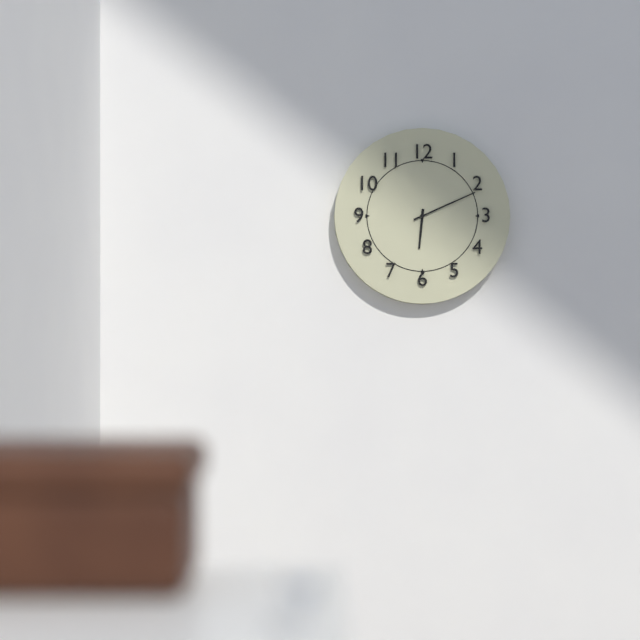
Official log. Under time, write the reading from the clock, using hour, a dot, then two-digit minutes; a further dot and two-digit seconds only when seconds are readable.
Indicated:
6.11
